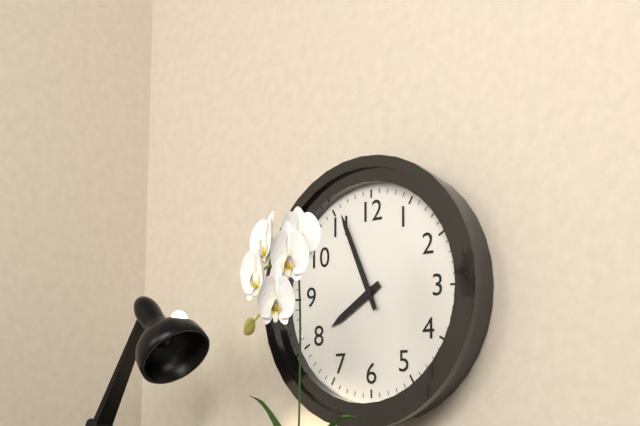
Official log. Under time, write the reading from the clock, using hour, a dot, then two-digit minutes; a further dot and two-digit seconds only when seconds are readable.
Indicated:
7.56
